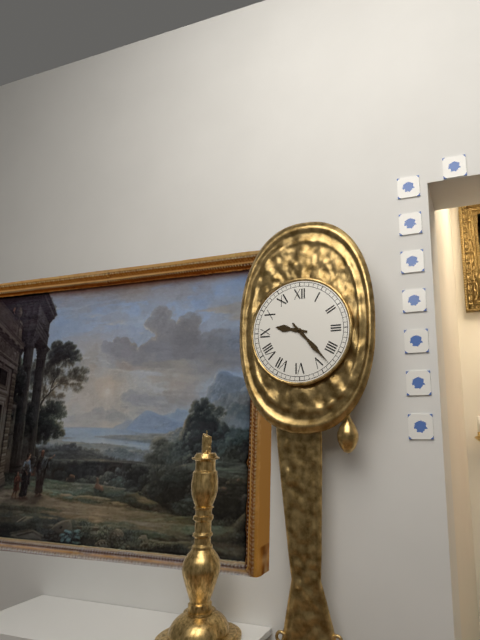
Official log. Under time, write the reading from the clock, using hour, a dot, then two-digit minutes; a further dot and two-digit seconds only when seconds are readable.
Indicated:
9.23
